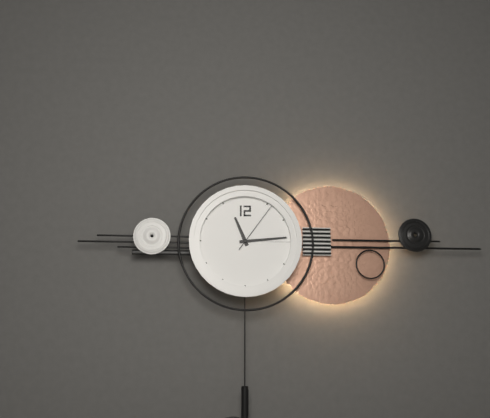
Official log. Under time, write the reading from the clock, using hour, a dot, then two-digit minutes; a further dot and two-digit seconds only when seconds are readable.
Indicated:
11.14.06
